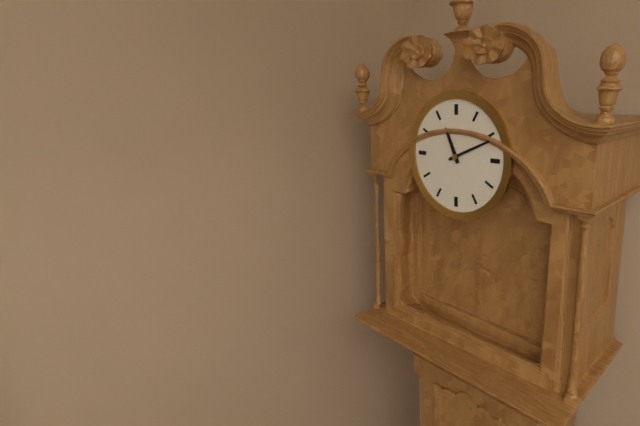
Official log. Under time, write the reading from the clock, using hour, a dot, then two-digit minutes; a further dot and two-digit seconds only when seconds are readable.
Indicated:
11.11
